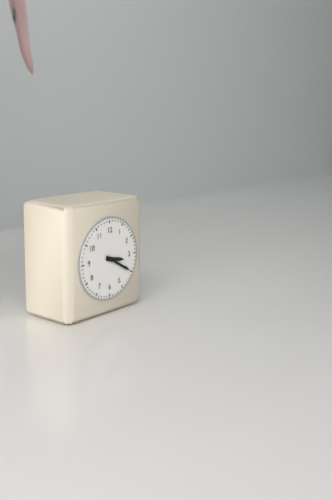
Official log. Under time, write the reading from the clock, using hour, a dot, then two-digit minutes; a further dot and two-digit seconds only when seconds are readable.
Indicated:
3.20
